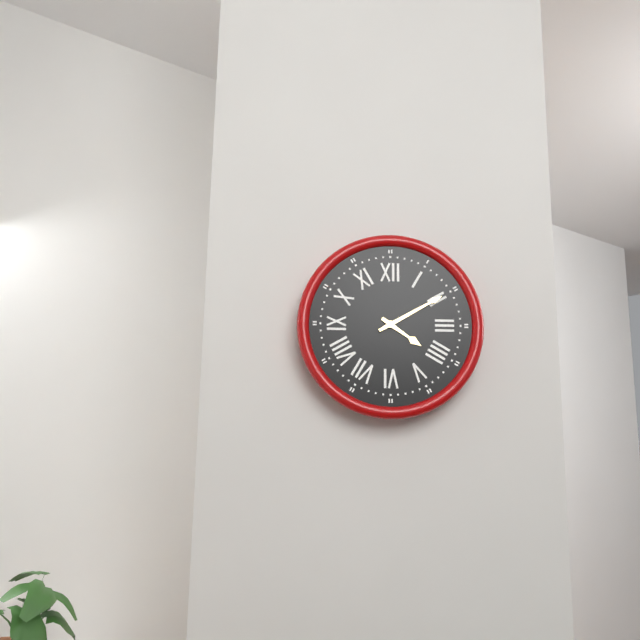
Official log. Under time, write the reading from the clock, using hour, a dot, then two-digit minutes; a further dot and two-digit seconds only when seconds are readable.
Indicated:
4.10
